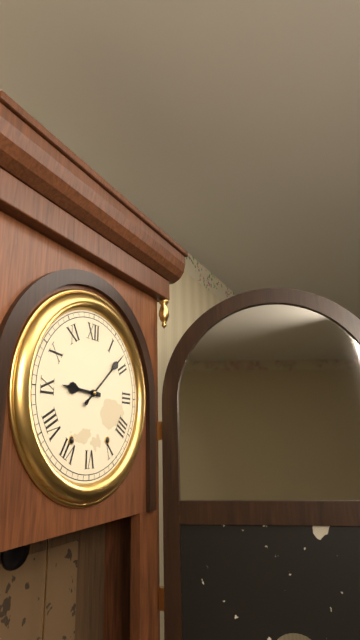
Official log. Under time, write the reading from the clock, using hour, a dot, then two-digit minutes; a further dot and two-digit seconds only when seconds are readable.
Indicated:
9.08
